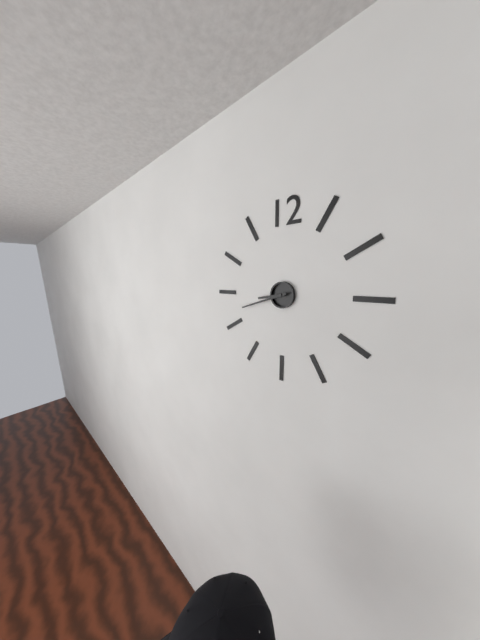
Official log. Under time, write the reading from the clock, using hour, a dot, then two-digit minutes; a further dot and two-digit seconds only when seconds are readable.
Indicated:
8.42
